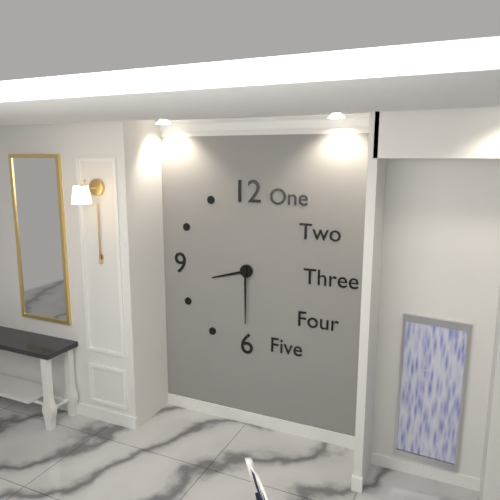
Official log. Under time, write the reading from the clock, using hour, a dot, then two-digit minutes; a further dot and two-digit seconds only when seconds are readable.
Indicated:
8.30
